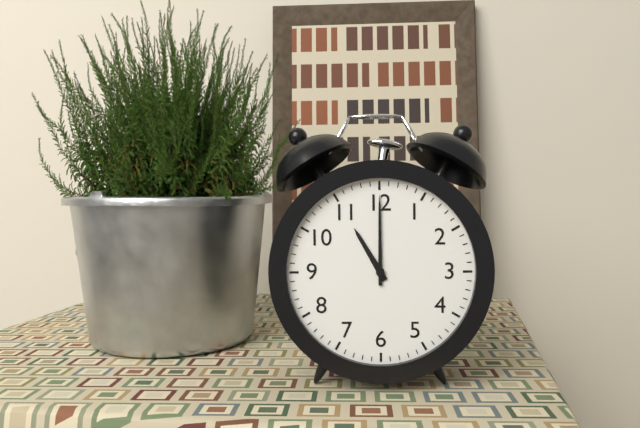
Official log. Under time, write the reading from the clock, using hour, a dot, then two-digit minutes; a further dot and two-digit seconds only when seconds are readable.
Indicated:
11.00
